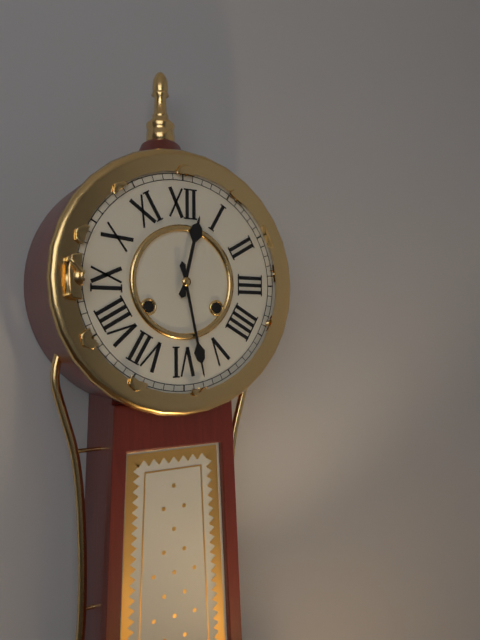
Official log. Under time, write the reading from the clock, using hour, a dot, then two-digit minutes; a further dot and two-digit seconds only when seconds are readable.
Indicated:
12.28
